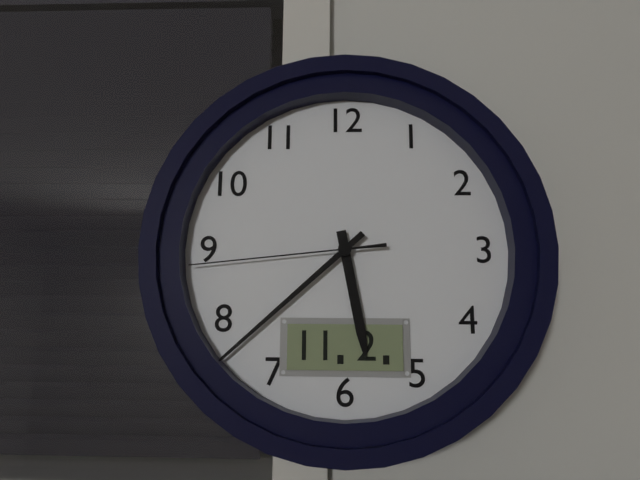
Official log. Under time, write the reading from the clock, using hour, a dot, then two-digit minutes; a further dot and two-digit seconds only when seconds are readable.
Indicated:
5.38.44
